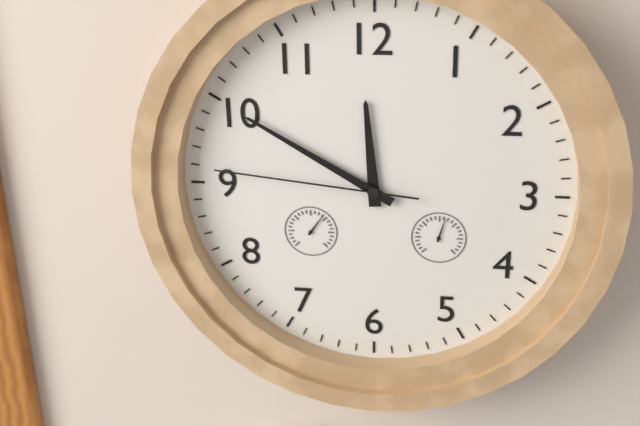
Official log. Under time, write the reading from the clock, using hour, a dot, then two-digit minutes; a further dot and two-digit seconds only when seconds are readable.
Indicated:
11.50.46
